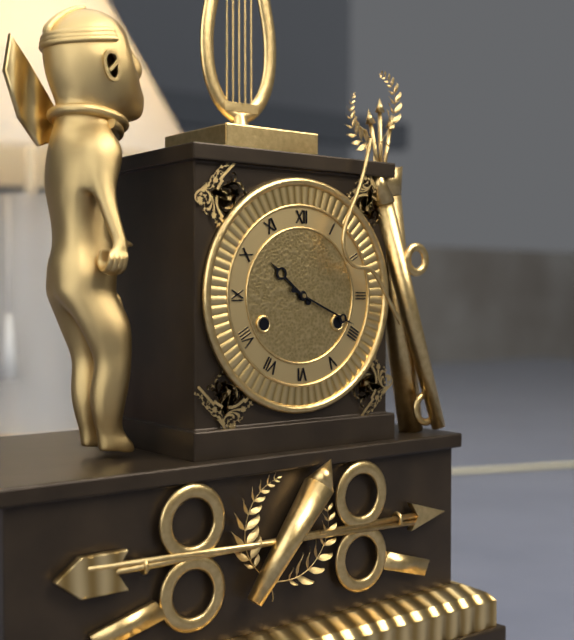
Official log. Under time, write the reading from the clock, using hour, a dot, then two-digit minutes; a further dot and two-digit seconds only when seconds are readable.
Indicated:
10.19
